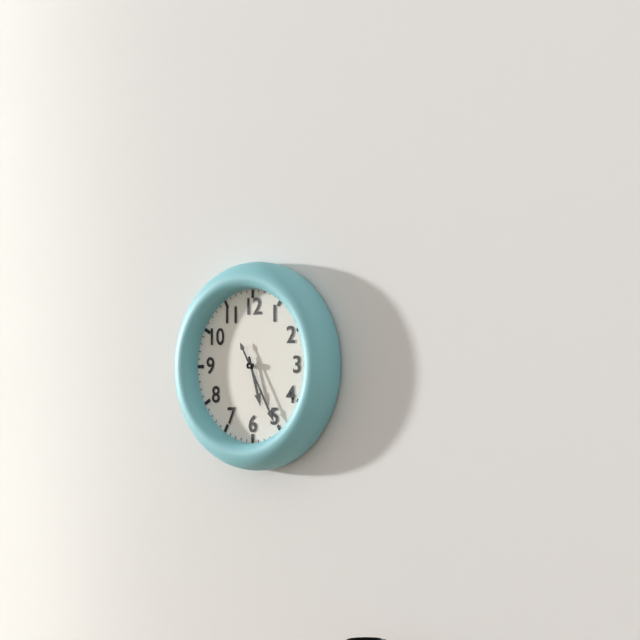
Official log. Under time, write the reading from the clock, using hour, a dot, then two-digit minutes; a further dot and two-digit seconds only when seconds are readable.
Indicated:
5.25
